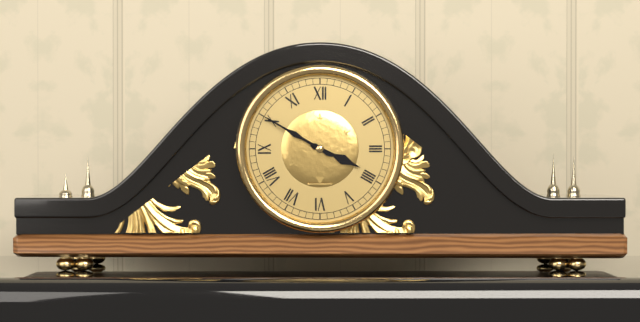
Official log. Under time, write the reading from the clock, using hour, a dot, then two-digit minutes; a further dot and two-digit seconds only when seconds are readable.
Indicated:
3.50
